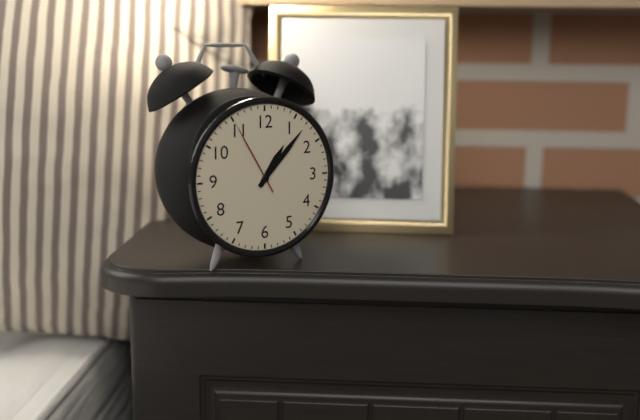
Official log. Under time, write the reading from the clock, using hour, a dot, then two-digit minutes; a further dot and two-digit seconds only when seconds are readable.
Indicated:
1.07.55
